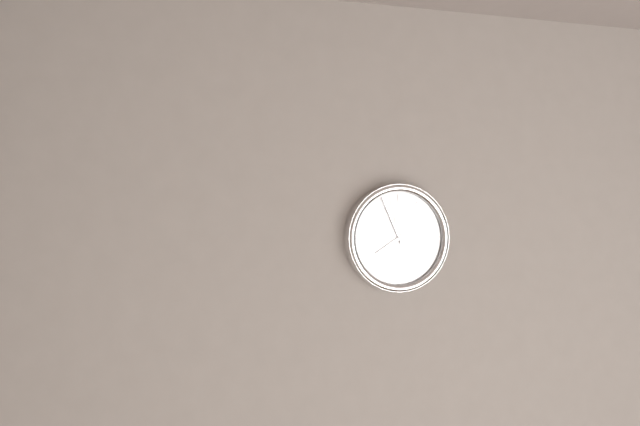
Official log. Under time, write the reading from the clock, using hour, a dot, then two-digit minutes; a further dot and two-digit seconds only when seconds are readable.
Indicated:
7.56.58
